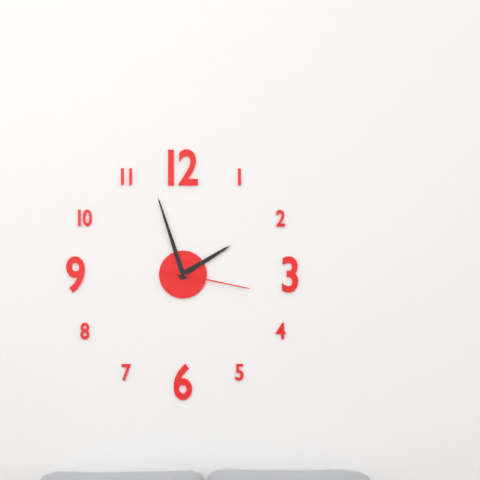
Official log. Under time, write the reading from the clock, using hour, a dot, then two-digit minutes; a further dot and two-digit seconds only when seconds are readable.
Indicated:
1.57.17
